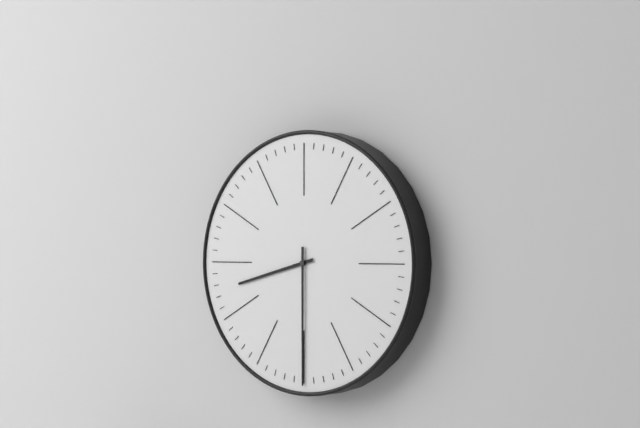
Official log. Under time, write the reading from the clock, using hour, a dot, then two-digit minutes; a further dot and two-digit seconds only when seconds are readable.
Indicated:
8.30
